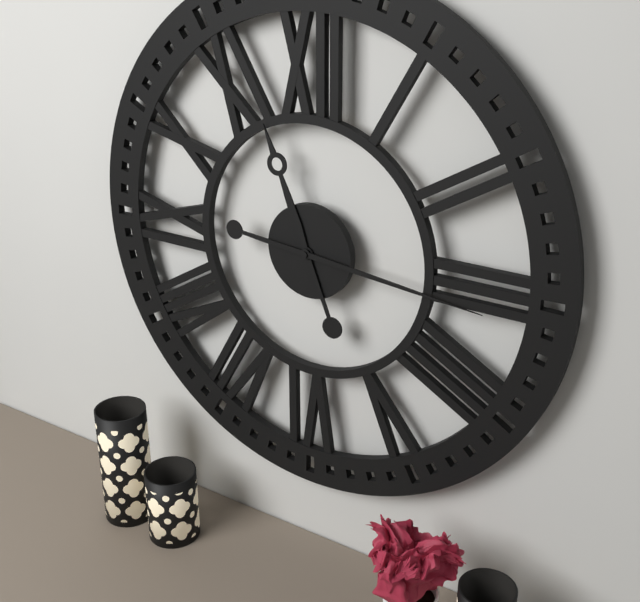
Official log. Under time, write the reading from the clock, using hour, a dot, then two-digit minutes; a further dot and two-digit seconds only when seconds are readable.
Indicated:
11.16
